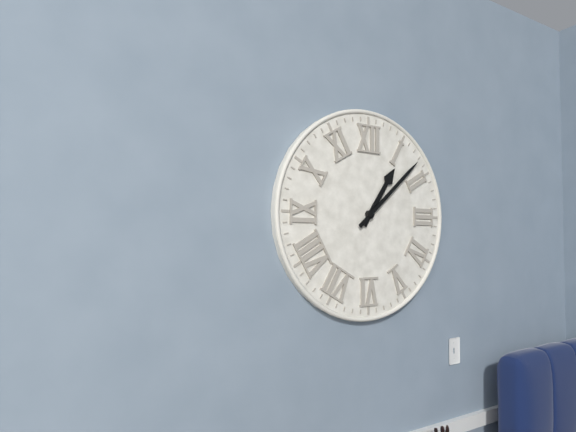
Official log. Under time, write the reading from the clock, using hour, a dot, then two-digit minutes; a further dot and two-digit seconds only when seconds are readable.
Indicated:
1.08
